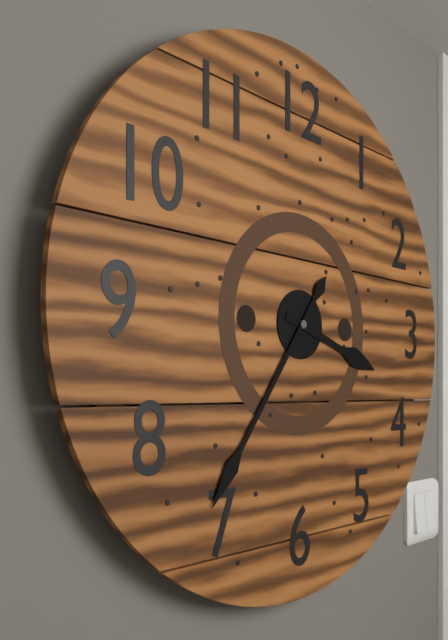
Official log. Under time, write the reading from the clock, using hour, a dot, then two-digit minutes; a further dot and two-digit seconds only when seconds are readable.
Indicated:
3.36
